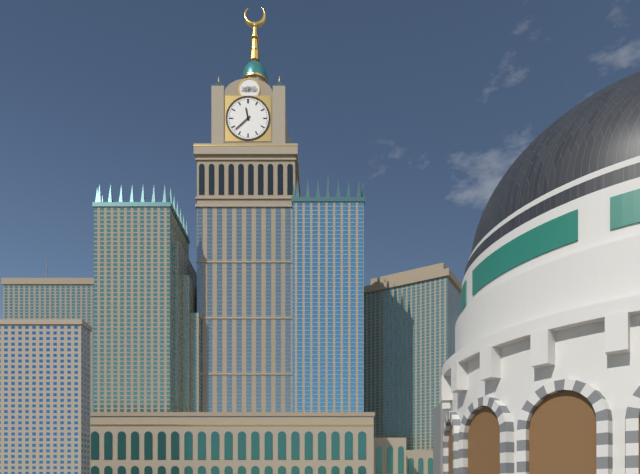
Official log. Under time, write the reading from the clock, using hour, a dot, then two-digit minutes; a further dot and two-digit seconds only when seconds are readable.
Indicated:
11.38
